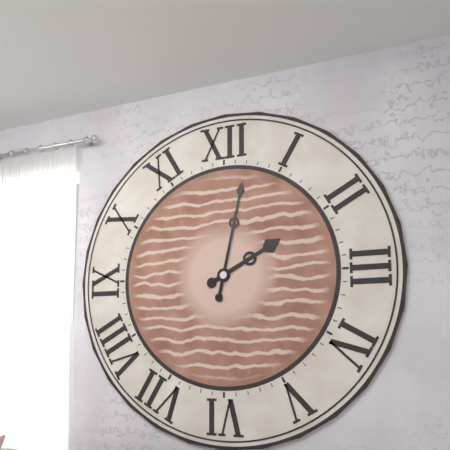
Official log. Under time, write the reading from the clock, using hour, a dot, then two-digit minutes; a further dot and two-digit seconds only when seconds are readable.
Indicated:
2.02
